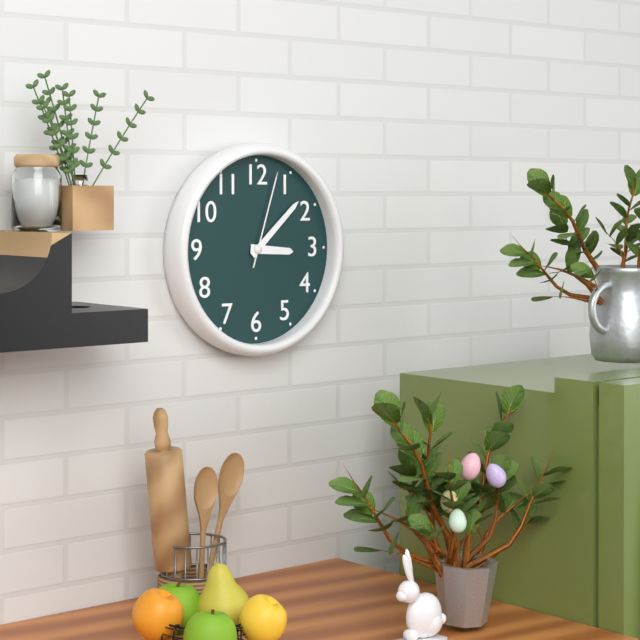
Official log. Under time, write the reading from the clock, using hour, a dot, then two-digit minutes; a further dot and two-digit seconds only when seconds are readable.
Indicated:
3.08.03
